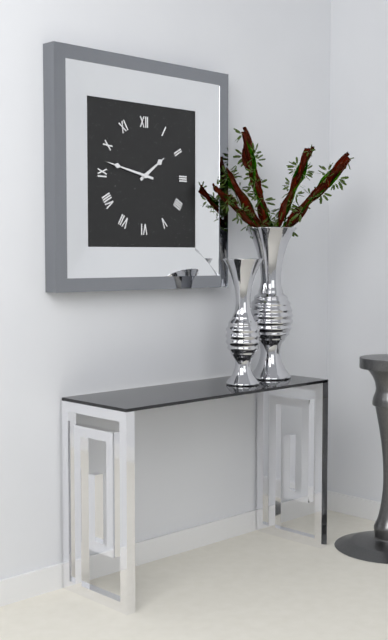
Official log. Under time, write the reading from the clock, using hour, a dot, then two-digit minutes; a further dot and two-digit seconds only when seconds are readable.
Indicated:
1.47
